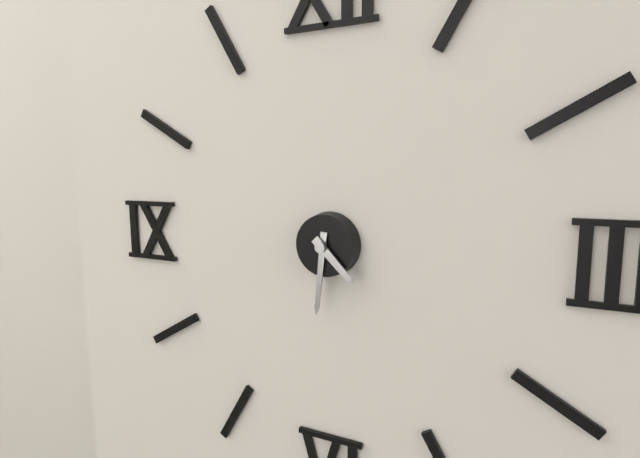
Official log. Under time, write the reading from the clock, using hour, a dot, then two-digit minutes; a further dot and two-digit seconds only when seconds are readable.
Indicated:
4.31
